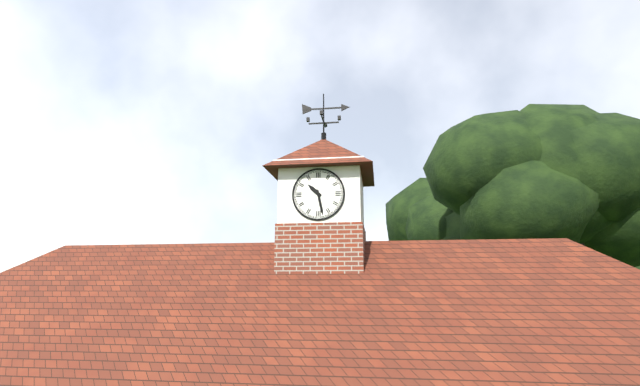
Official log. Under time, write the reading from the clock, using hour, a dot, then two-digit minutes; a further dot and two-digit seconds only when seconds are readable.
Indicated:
10.28
